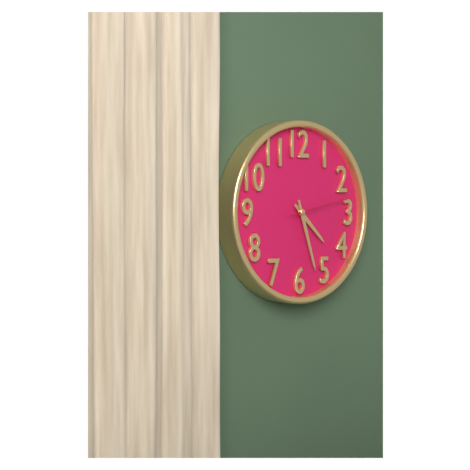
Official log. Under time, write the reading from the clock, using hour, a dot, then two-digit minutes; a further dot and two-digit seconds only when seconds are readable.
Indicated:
4.27.13
